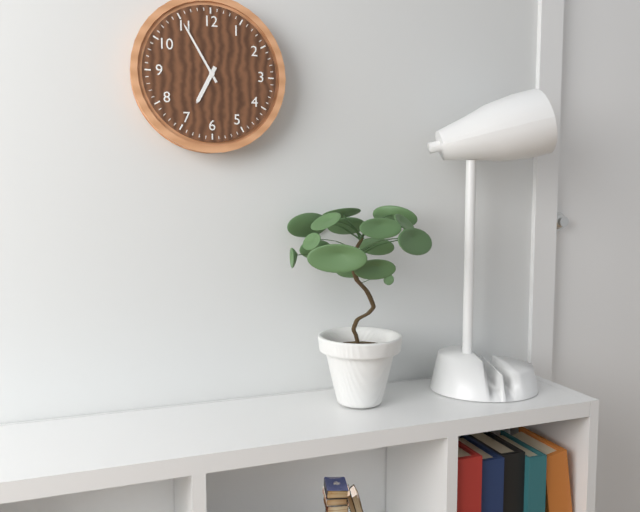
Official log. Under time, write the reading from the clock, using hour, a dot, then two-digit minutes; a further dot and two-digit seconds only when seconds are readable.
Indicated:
6.55
